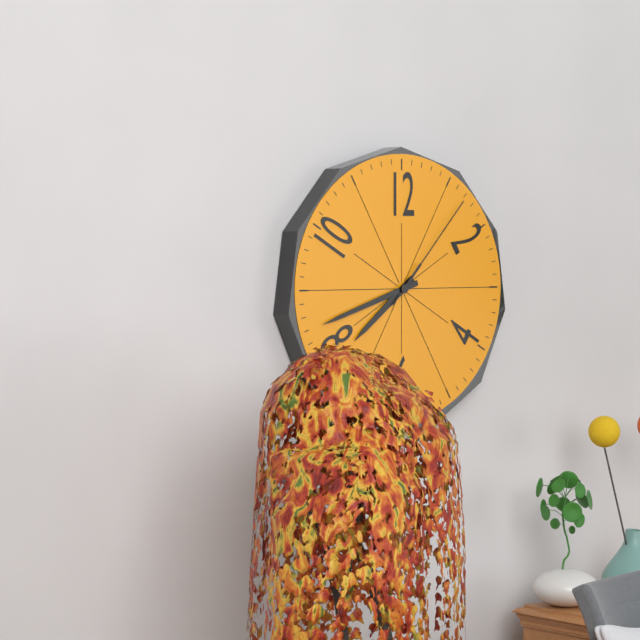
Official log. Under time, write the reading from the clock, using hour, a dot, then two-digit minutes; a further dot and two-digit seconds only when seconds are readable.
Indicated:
7.42.07
